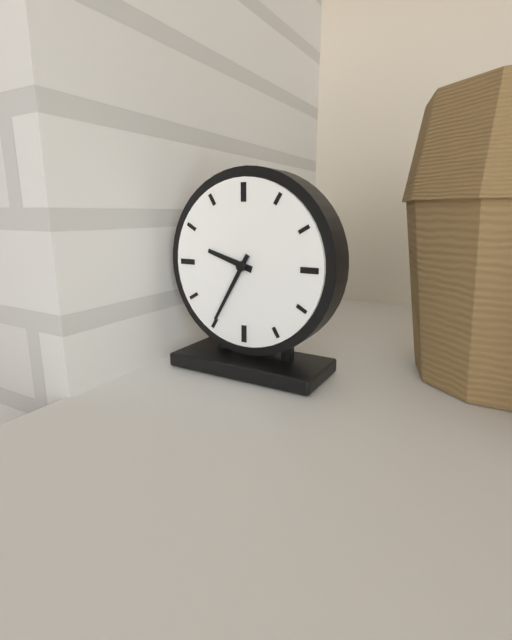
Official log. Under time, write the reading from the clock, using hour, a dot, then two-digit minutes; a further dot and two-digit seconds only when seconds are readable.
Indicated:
9.35
